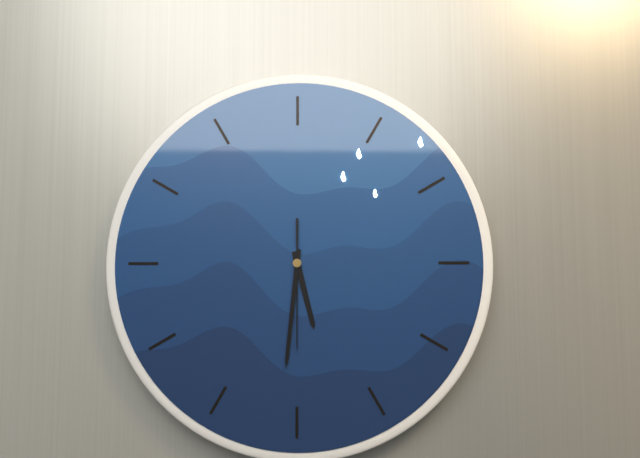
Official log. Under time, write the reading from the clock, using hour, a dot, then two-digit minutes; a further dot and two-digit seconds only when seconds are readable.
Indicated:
5.31.30
